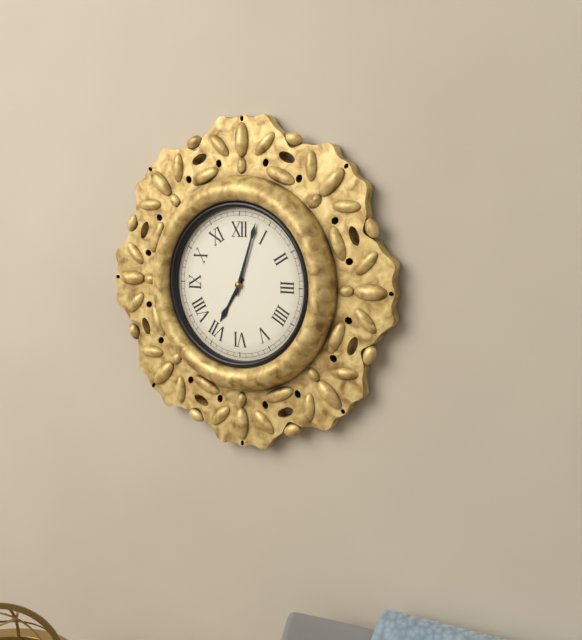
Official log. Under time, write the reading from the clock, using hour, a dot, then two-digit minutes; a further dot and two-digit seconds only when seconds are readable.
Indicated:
7.03
